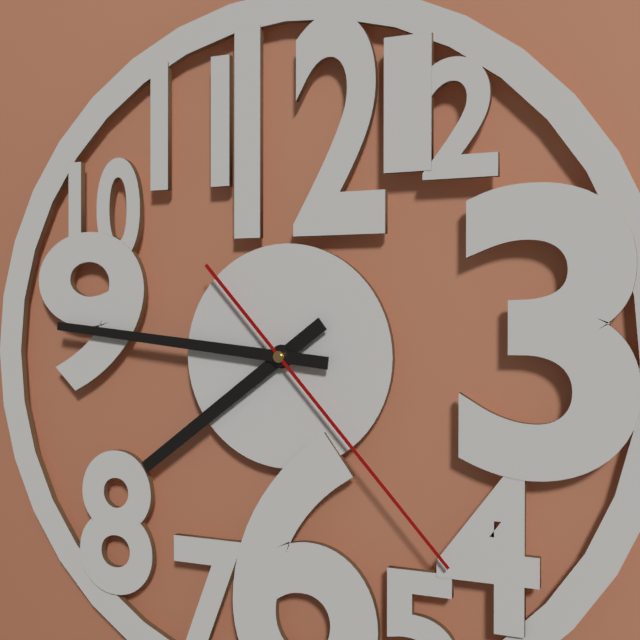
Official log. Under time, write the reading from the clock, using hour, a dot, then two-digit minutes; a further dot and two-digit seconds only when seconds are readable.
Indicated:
7.46.23
